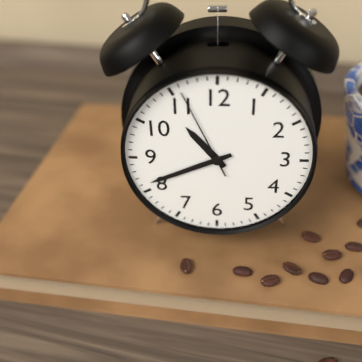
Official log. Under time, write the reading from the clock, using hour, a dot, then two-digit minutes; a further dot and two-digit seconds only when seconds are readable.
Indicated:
10.41.56
